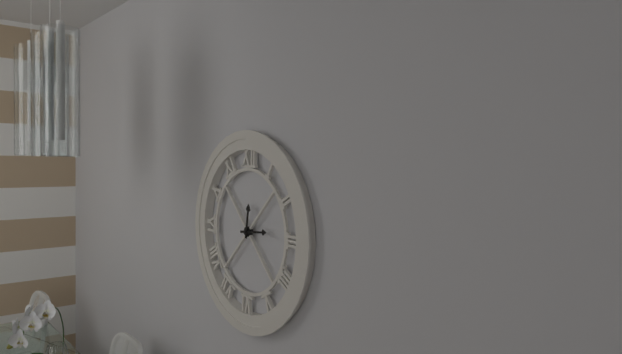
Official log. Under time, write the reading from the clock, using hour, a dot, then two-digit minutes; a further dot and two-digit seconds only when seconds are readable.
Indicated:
12.14
